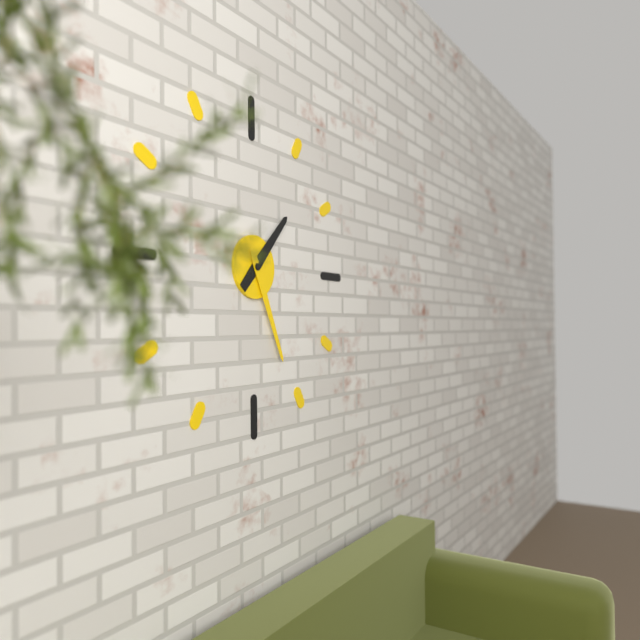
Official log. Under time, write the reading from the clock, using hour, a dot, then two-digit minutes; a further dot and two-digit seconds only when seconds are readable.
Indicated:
1.26
